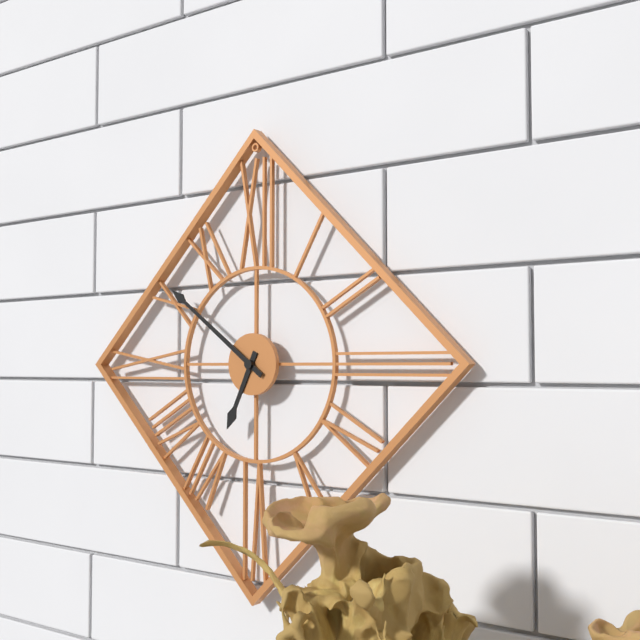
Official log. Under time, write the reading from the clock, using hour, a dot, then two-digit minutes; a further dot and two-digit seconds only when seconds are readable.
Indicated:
6.51
